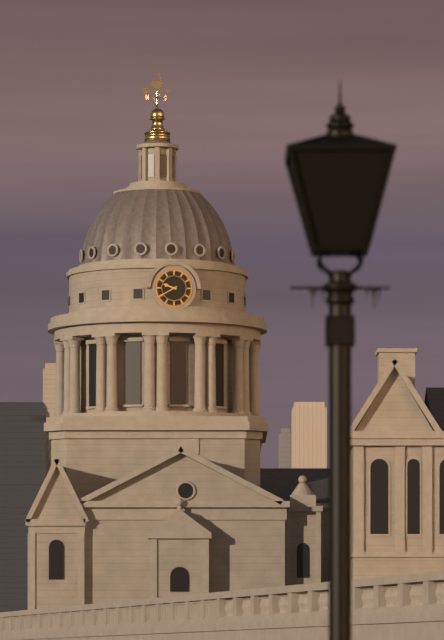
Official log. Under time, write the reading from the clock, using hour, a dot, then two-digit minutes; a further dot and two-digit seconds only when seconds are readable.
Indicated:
9.40
